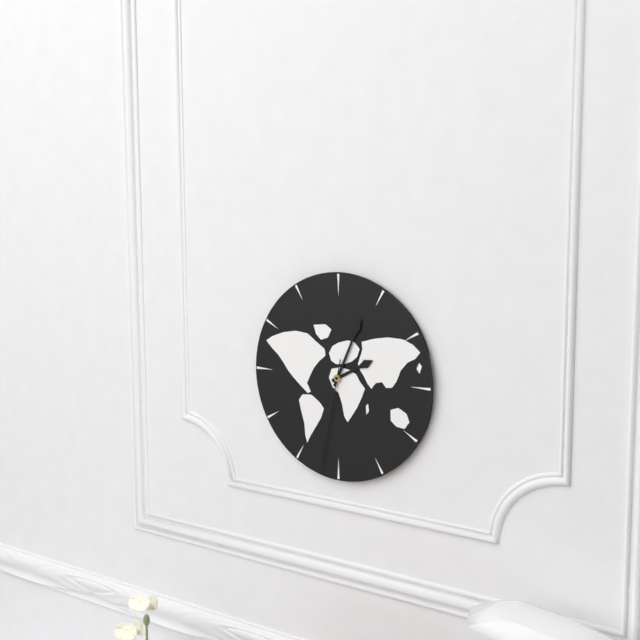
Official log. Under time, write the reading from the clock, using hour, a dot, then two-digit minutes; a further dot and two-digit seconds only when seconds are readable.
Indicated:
2.04.32
